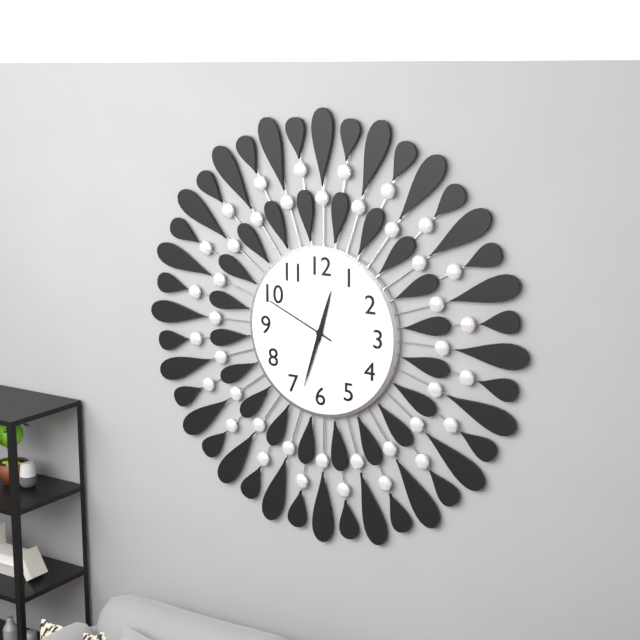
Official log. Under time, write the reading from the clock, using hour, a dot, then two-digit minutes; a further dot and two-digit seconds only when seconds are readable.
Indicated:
12.33.49
